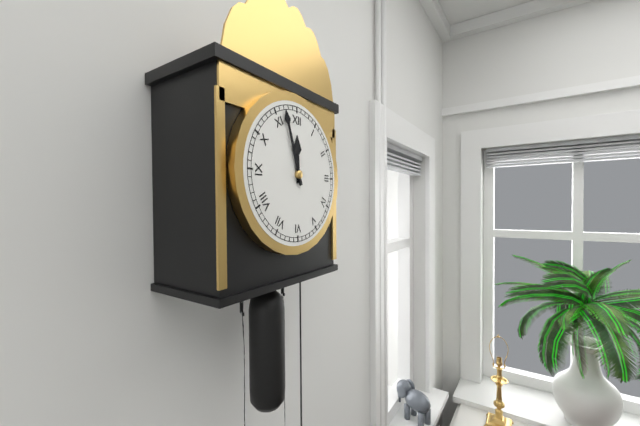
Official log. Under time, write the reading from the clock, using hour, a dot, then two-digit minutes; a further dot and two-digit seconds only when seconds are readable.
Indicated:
11.57
